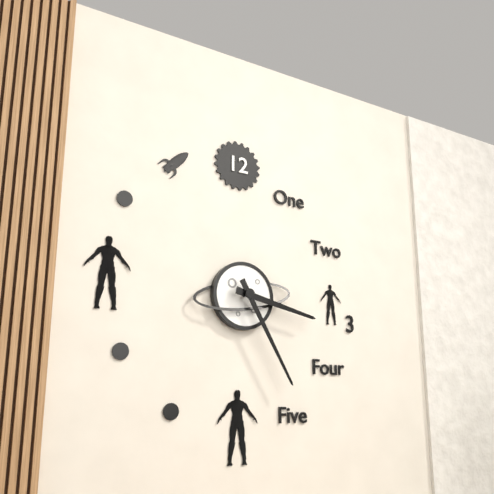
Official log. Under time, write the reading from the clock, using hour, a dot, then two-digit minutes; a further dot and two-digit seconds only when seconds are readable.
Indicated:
3.25
